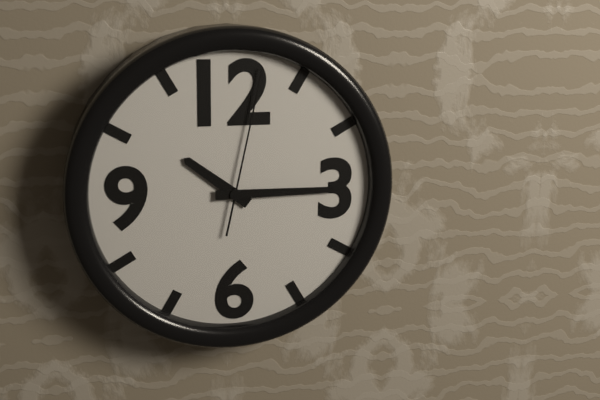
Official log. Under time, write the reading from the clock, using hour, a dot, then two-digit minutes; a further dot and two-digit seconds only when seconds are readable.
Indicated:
10.15.02
